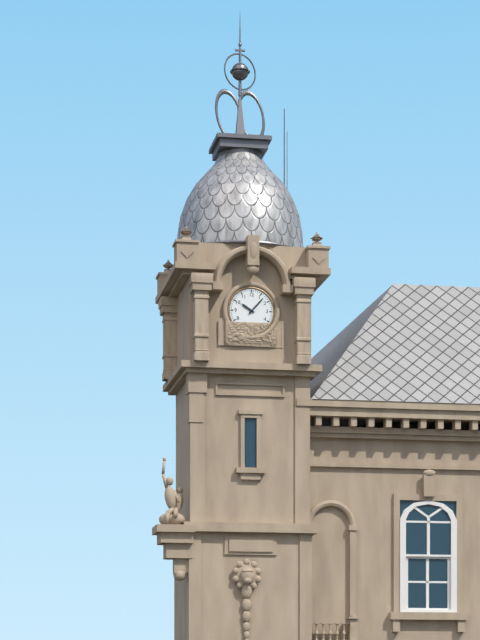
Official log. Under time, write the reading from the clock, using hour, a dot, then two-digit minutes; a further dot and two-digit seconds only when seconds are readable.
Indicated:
10.07
